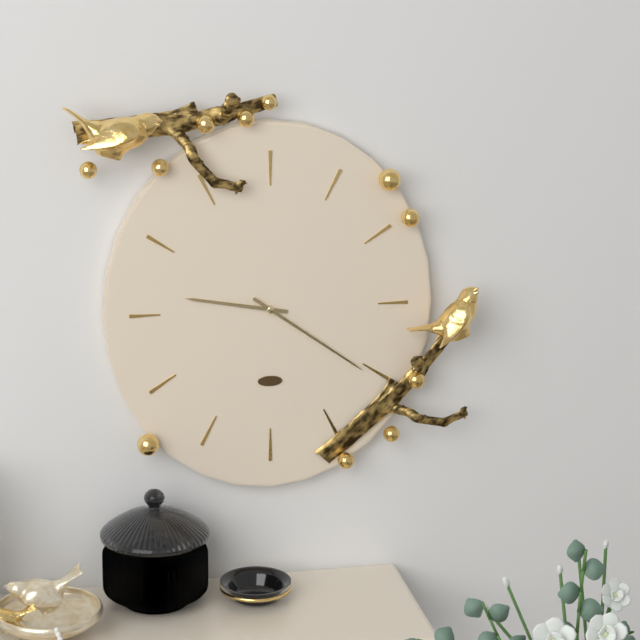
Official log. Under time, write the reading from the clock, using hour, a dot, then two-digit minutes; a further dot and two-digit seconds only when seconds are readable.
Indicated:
9.21
